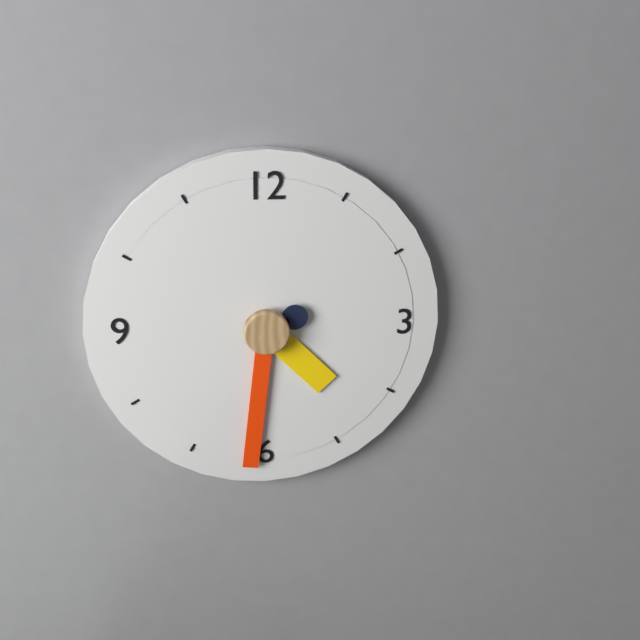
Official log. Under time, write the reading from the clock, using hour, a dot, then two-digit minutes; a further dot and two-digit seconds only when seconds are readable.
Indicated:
4.31.11
